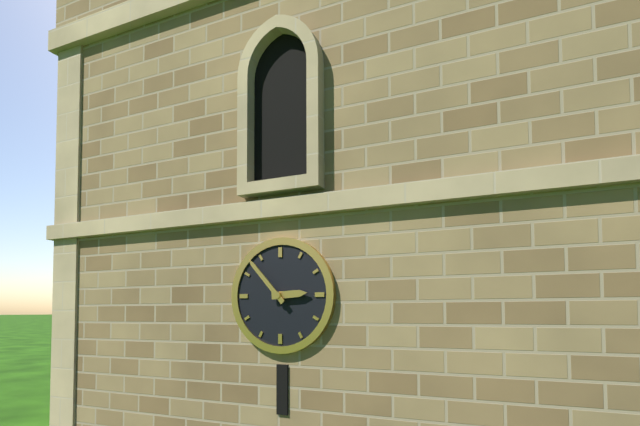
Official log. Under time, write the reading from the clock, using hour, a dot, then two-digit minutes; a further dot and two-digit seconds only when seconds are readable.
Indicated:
2.53
